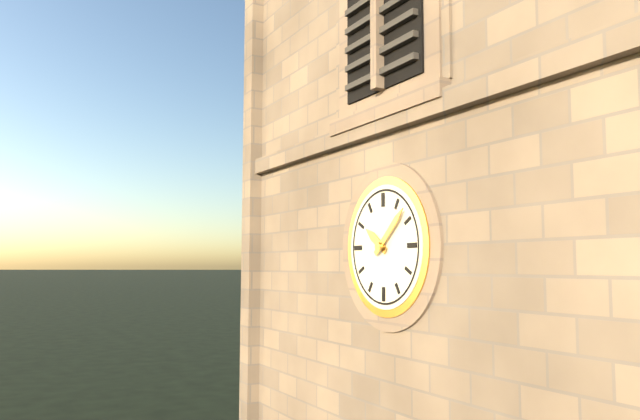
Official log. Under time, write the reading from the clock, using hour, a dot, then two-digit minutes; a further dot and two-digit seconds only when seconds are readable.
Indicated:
10.08
